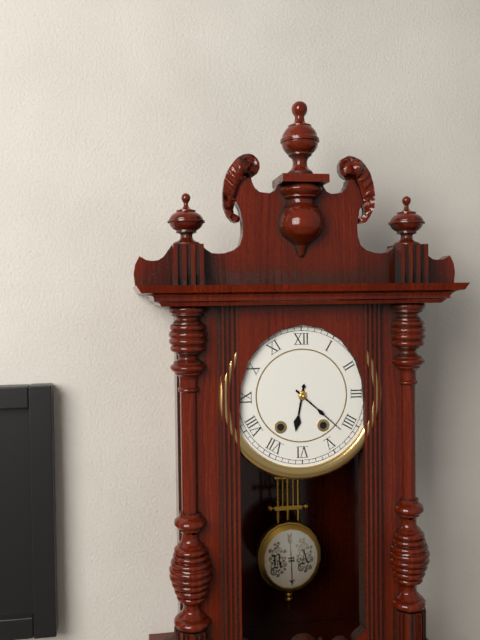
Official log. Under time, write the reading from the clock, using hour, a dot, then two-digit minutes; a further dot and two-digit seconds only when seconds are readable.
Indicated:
6.22
